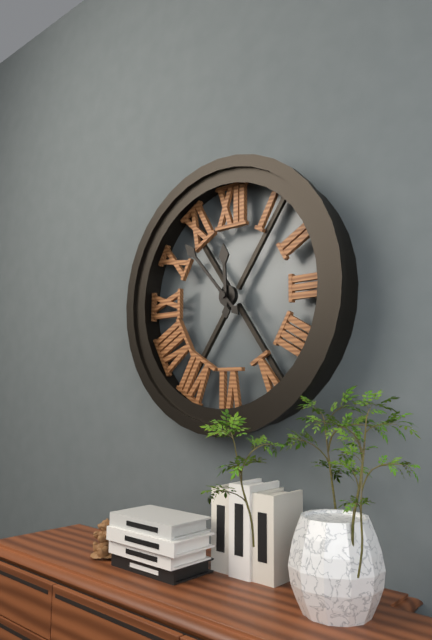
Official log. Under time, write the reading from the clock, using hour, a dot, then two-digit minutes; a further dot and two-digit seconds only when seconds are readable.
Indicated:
11.53
